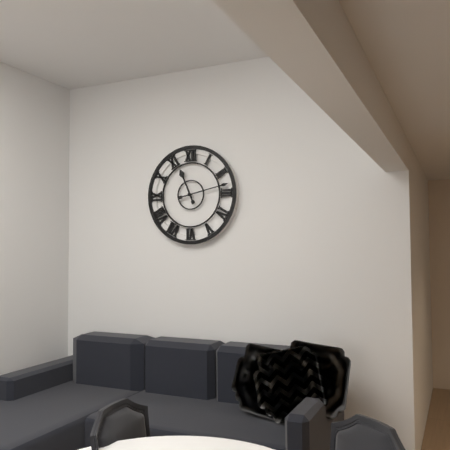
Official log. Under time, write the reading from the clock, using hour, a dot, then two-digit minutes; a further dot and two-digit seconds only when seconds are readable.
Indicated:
11.13
